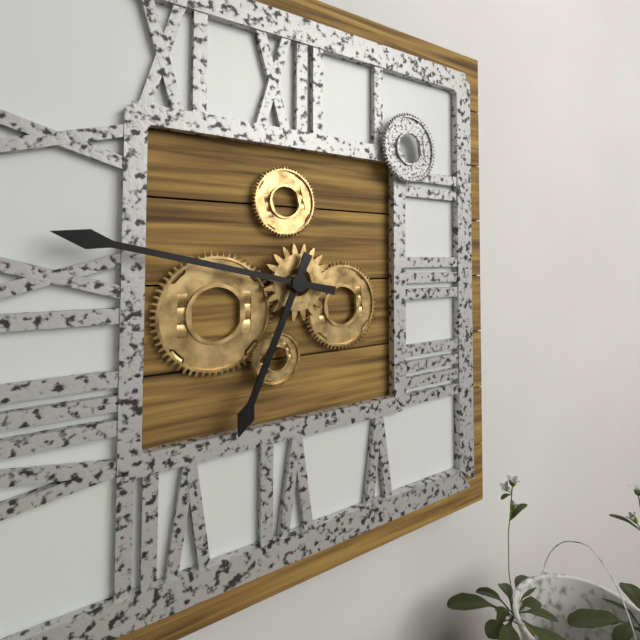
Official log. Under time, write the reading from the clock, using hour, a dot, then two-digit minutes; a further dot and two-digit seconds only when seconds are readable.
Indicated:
6.47
